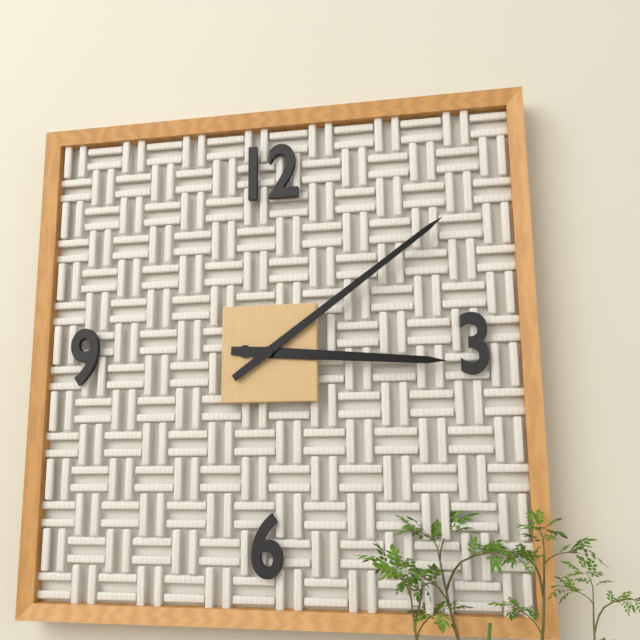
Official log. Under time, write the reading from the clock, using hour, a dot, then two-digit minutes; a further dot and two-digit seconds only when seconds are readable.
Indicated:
3.09
